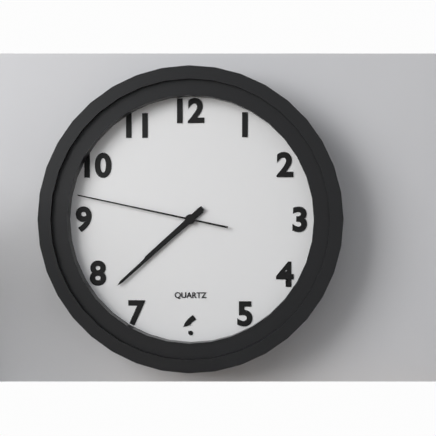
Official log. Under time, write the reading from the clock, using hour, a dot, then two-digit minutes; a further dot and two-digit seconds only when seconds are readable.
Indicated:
7.38.47
